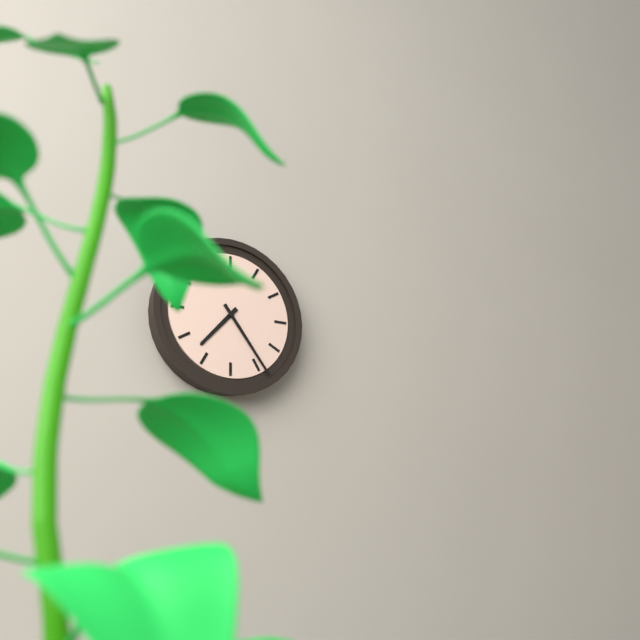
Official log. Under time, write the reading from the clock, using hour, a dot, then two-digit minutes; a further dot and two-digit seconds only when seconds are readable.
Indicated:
7.24
